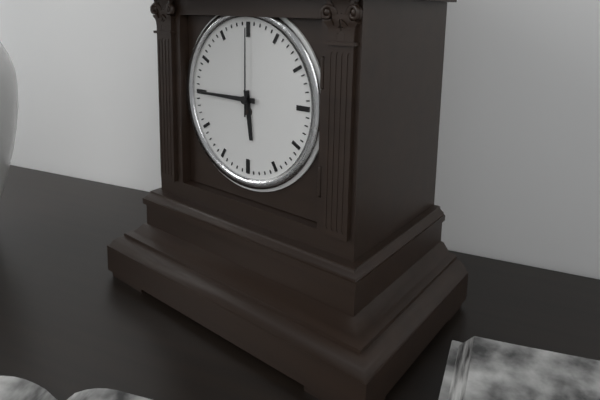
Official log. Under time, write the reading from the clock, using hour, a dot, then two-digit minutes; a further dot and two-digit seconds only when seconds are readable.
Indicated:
5.45.00
